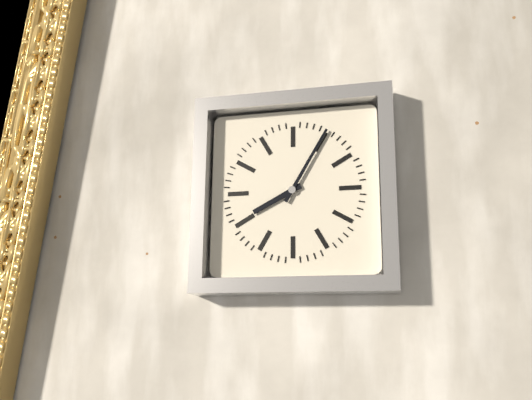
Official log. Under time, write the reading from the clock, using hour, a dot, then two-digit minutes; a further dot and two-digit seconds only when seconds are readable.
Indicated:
8.05
